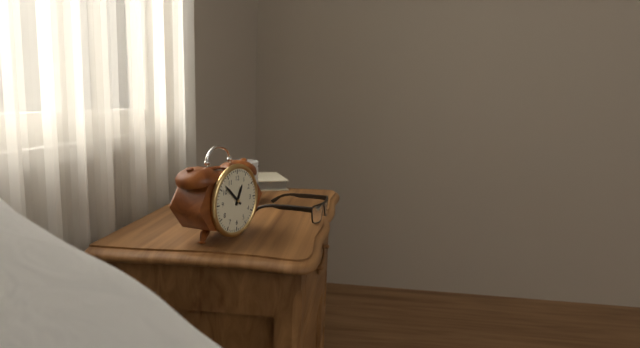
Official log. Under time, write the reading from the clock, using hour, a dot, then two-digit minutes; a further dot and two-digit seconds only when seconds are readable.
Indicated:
12.52
